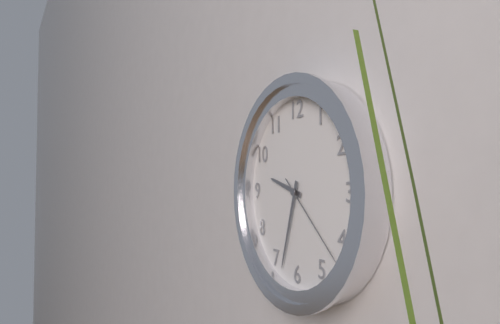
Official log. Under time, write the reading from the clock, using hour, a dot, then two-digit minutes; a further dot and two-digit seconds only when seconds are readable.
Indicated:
9.33.22
